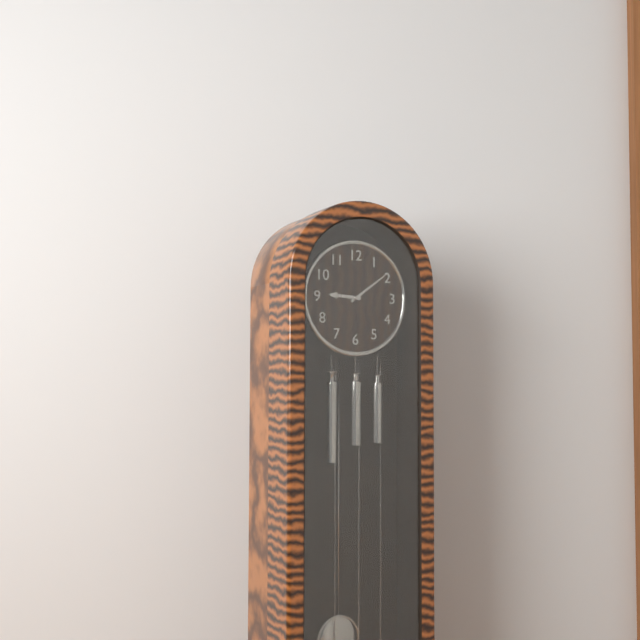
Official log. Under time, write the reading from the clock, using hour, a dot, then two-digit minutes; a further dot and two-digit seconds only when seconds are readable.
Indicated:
9.09
